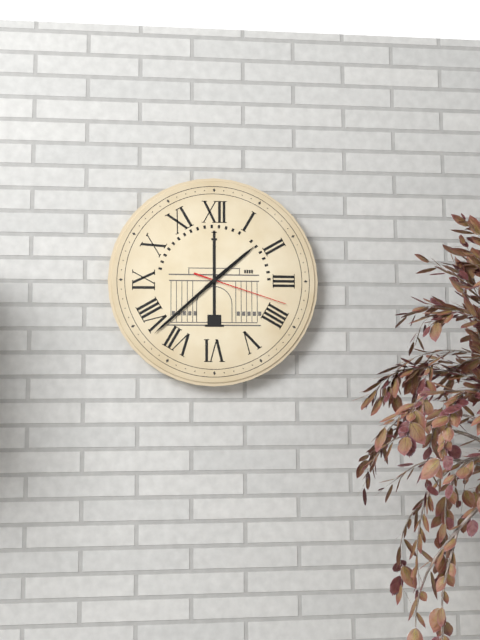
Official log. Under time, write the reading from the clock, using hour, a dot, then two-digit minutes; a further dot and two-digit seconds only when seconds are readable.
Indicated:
1.38.18
